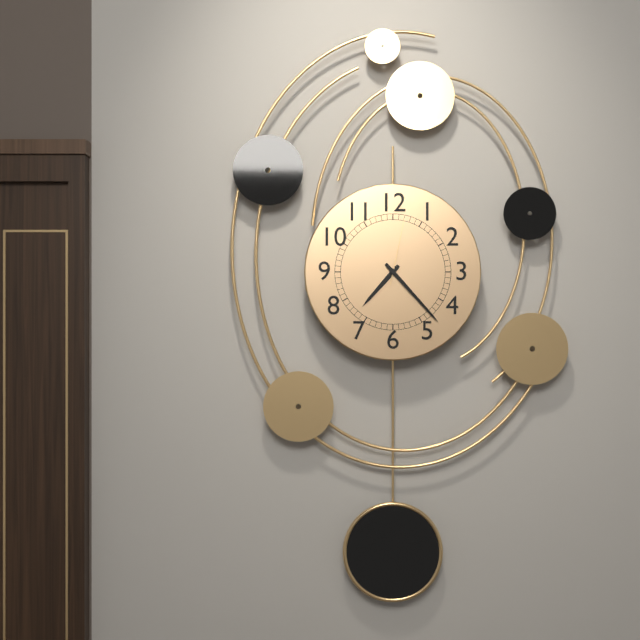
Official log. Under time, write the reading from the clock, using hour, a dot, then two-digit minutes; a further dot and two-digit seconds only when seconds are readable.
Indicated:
7.23.02
